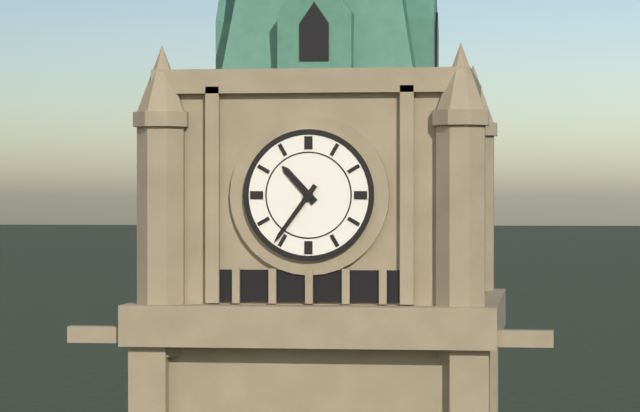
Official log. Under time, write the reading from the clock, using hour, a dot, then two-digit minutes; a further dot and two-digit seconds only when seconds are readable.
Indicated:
10.36
